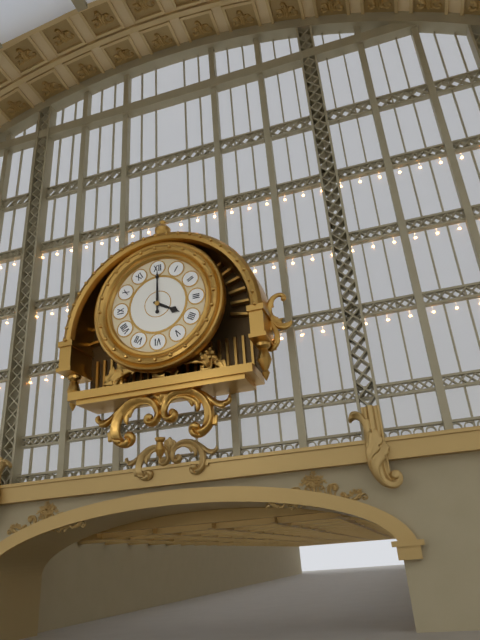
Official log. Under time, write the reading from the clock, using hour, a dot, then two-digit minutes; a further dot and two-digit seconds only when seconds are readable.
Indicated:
4.00
